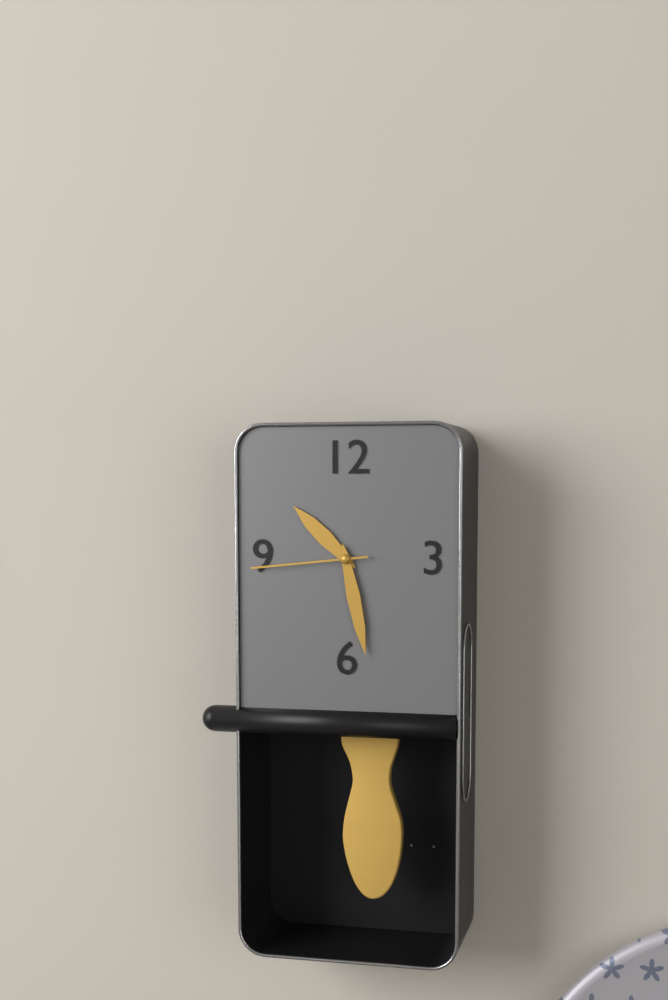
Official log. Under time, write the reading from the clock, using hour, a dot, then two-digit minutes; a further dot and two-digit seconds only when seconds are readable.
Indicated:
10.28.44
